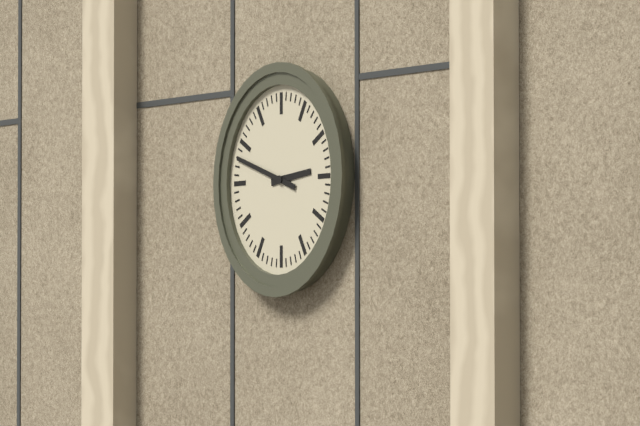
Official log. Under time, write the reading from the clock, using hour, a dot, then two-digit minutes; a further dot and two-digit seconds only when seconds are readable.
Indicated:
2.48
